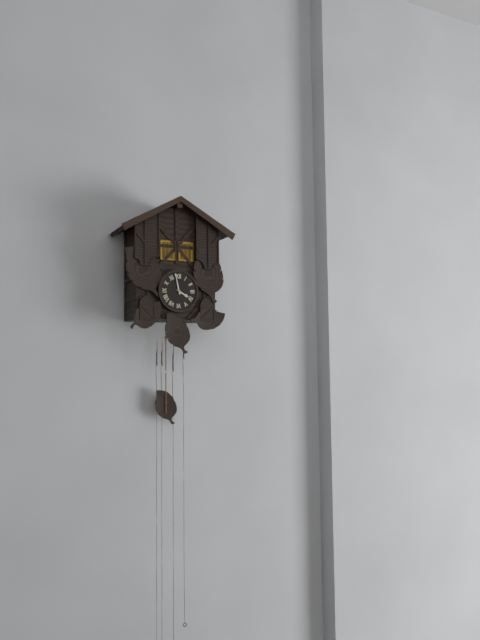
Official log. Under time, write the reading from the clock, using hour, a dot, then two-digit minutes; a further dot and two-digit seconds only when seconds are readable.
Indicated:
3.58
